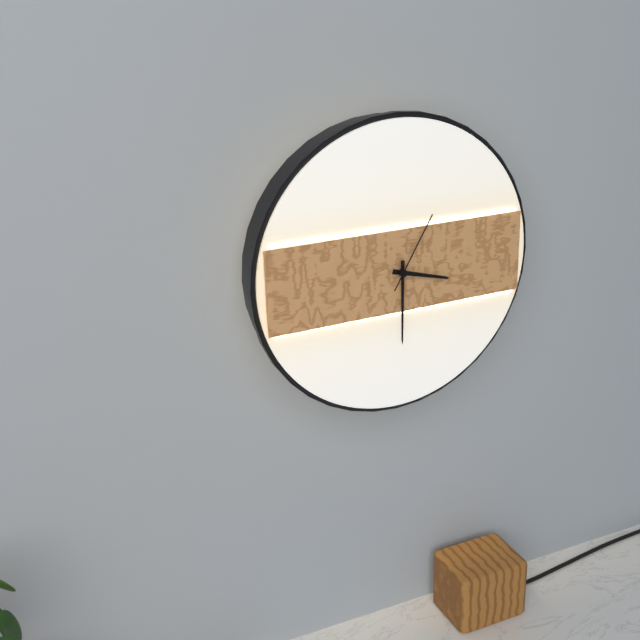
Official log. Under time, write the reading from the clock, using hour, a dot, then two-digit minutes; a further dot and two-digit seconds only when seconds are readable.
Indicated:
3.30.05
